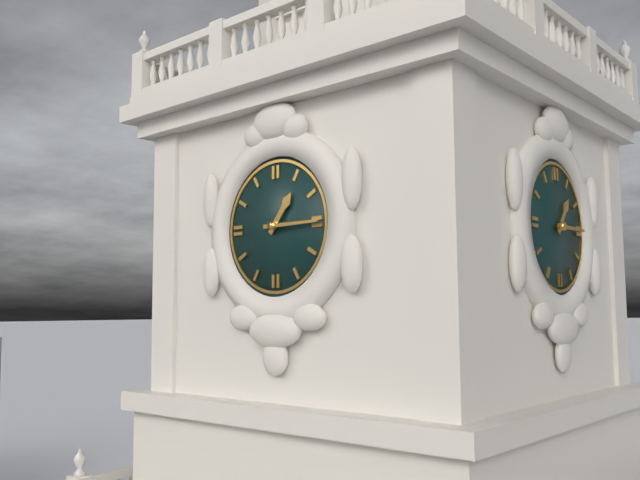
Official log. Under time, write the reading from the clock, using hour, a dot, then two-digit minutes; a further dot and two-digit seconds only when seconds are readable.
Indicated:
1.15
